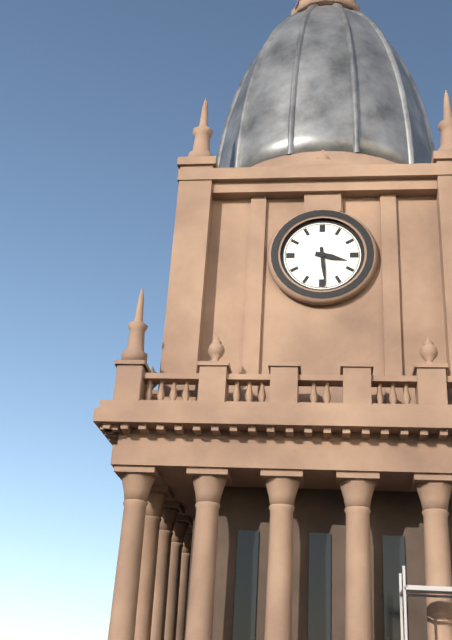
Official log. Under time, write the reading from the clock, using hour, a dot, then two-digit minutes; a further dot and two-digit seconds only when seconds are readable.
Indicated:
3.29
